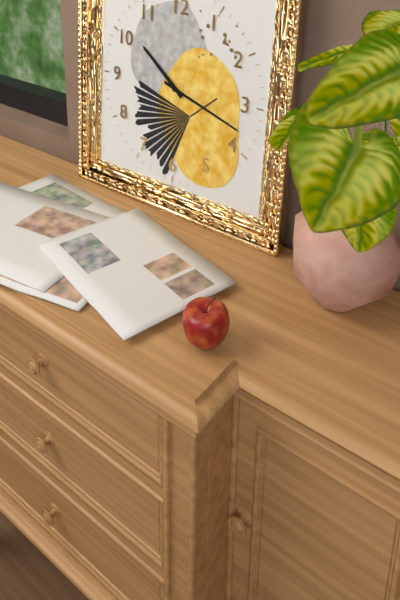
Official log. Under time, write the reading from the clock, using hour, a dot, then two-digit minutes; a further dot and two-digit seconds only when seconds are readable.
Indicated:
10.18
